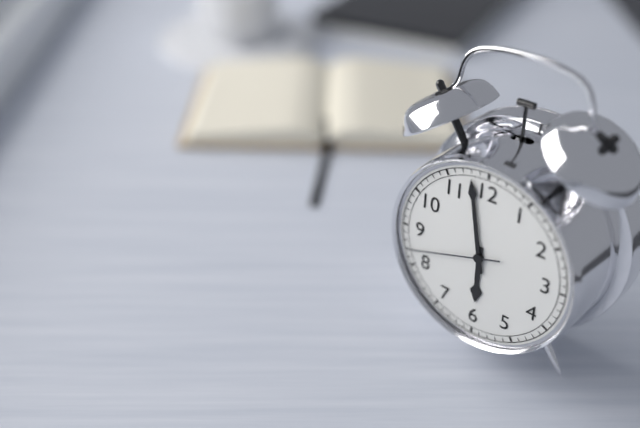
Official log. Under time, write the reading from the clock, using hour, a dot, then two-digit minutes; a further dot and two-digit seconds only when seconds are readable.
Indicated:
5.58.42
